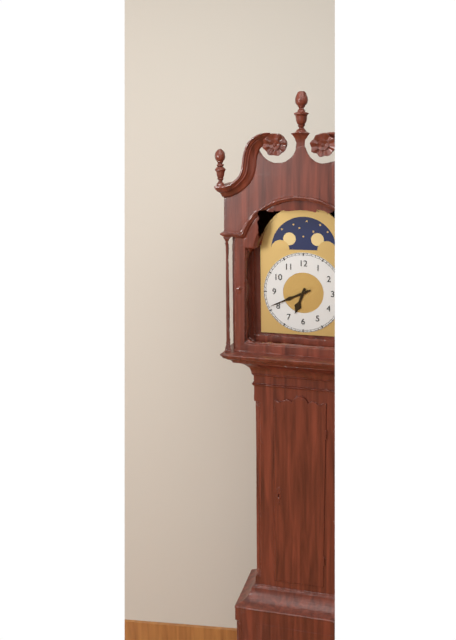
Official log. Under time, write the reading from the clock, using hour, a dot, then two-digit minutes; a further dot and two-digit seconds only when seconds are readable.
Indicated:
6.41
